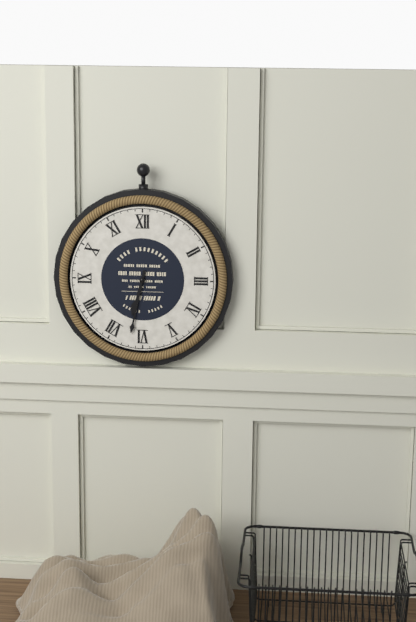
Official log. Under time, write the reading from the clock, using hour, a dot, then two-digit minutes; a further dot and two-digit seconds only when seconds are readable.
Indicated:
6.32
